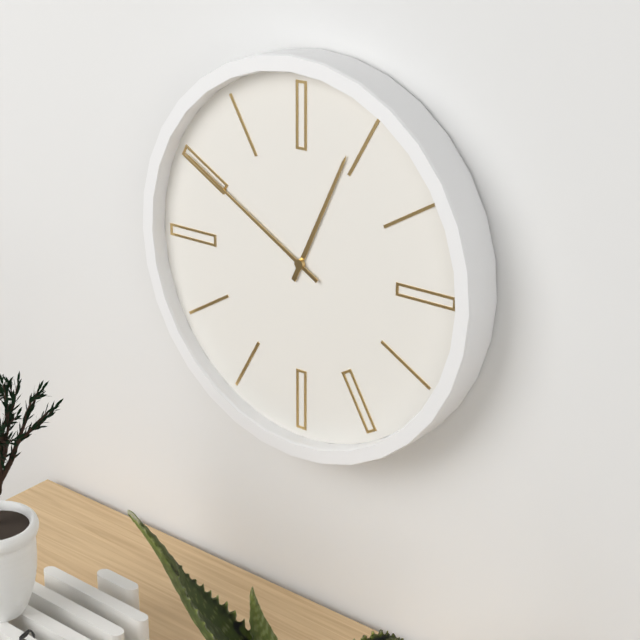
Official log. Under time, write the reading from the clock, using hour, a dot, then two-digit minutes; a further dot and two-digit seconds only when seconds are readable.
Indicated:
12.50
